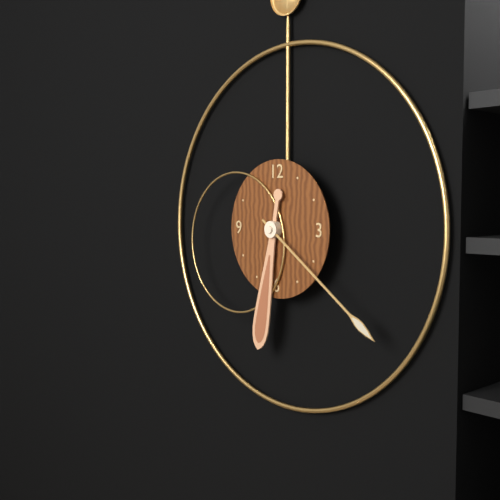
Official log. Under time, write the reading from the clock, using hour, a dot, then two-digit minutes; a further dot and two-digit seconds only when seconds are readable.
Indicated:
6.21
